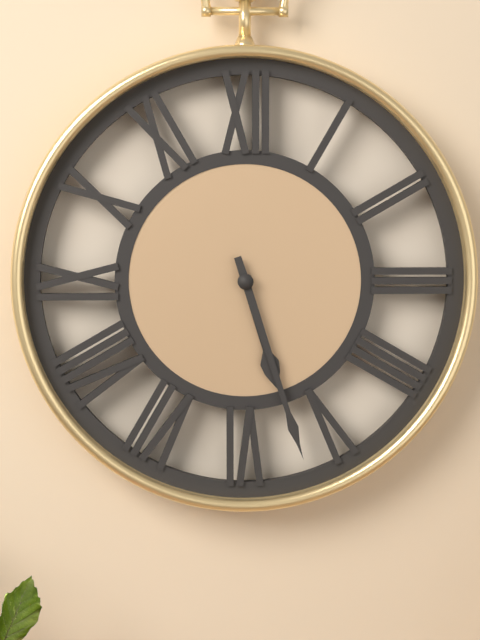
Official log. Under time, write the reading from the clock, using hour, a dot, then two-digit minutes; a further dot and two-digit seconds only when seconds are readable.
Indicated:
5.27
